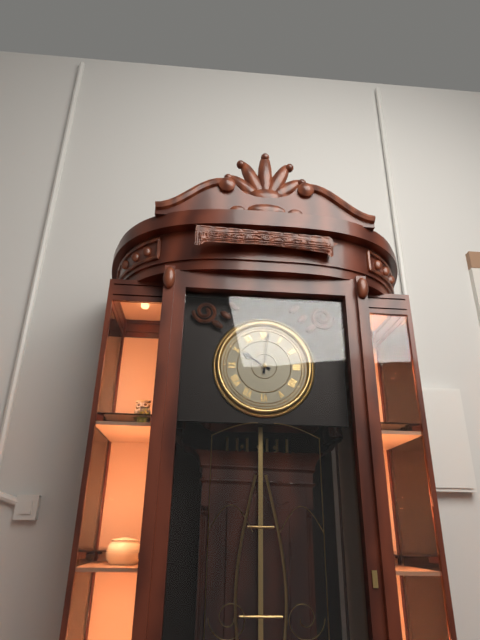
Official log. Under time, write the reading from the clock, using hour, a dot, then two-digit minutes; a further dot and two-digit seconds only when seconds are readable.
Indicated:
10.01
